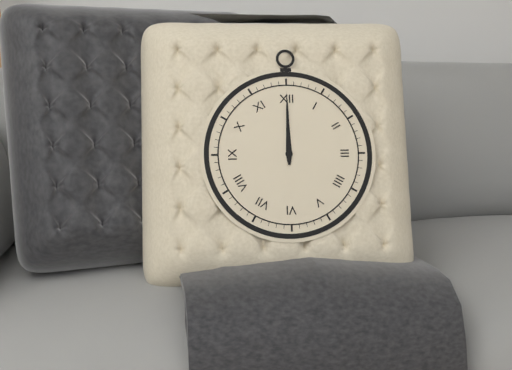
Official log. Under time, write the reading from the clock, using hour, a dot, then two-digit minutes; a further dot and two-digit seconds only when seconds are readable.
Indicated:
12.00
